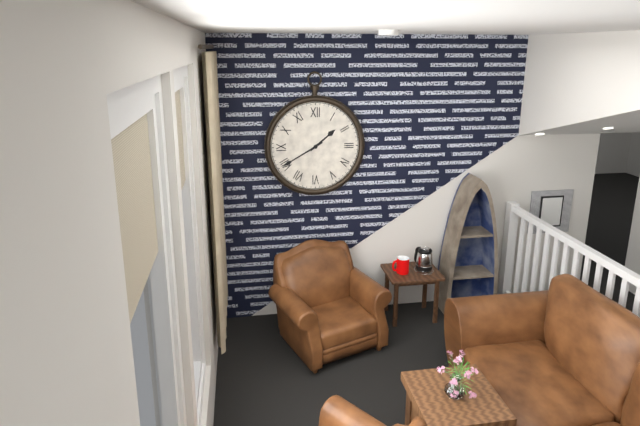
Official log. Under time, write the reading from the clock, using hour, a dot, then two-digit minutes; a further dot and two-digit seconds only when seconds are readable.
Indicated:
1.40
